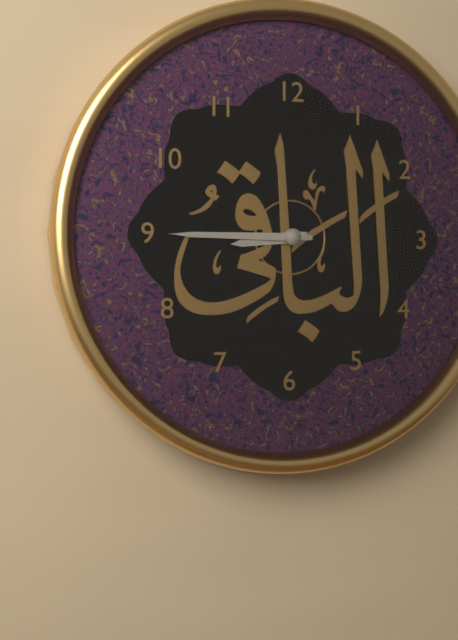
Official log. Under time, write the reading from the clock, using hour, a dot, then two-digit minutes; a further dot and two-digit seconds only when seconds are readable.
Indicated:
8.45
